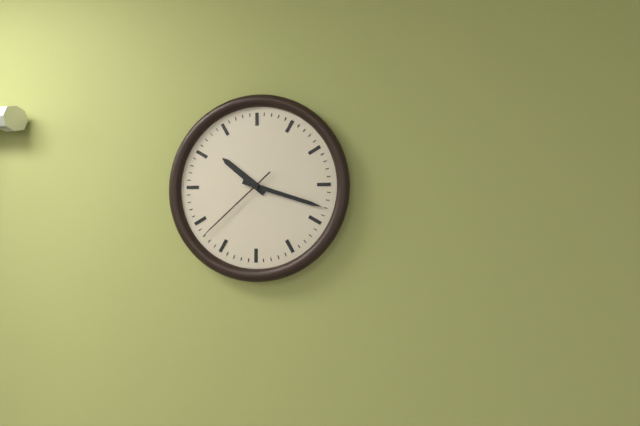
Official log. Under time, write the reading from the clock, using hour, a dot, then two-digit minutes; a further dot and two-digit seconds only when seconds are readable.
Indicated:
10.18.38
